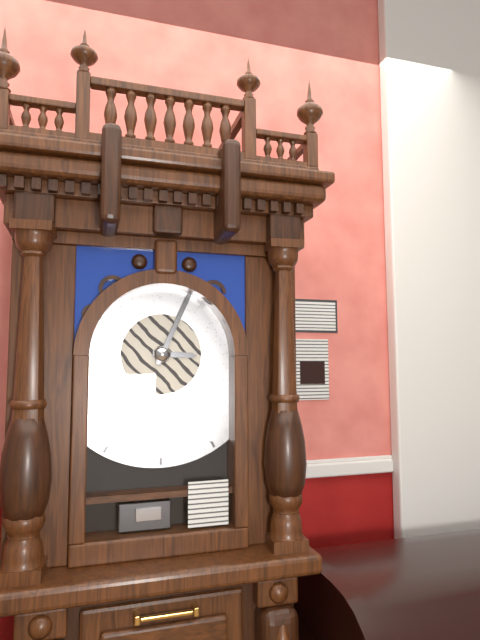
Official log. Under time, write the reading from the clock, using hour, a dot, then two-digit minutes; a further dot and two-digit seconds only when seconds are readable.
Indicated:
3.04
